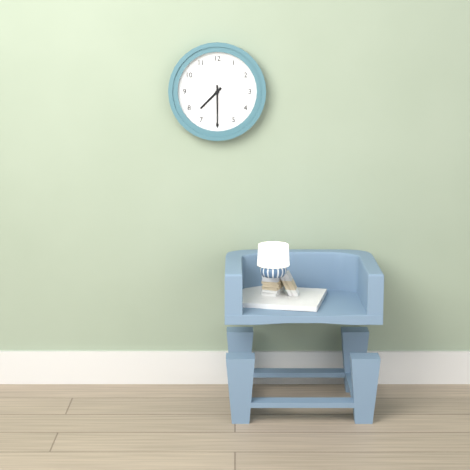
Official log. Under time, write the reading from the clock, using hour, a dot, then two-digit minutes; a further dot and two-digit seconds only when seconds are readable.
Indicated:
7.30
